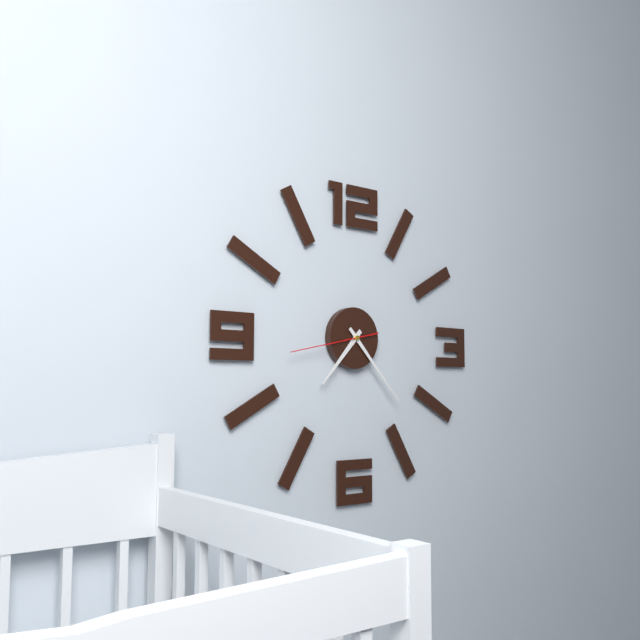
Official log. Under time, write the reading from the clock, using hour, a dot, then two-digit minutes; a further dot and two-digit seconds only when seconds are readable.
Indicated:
7.23.43
